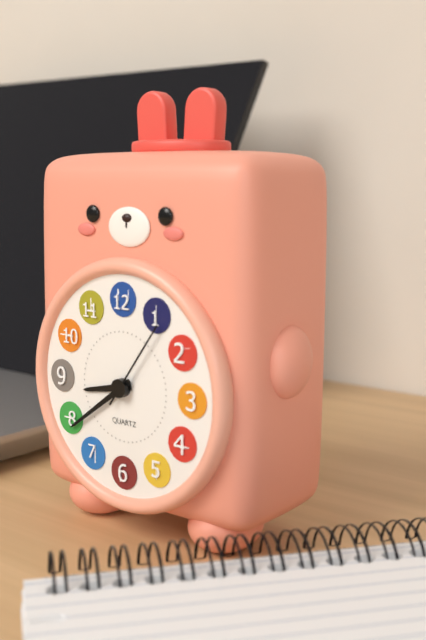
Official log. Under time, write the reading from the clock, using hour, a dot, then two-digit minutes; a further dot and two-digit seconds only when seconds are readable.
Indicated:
8.39.06
